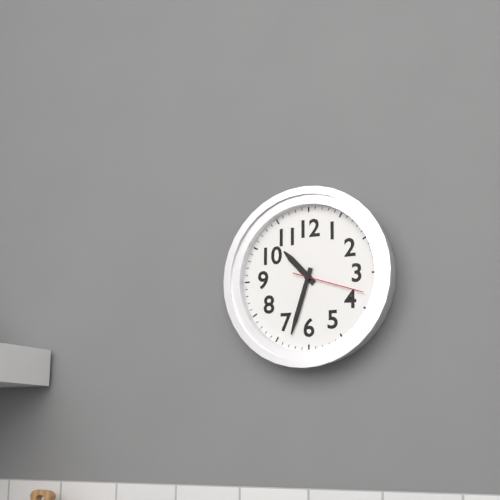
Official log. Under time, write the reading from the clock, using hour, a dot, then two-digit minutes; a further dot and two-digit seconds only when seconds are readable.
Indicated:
10.33.18
